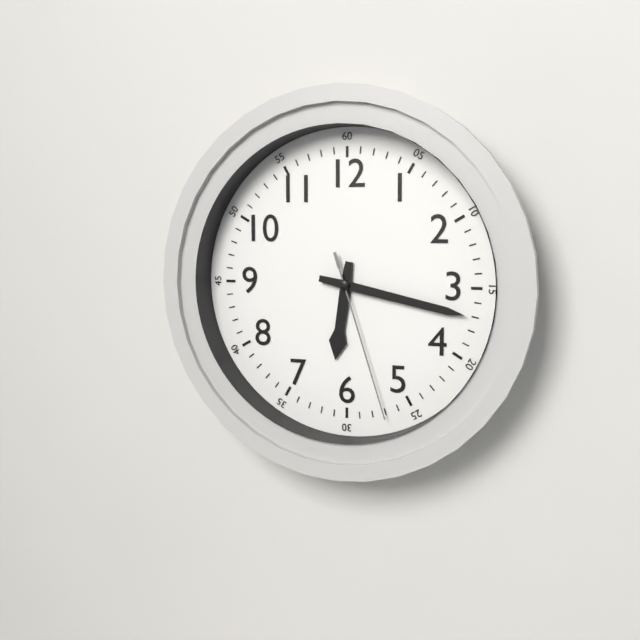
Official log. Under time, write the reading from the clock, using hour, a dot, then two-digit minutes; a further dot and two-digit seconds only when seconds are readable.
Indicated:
6.17.27
